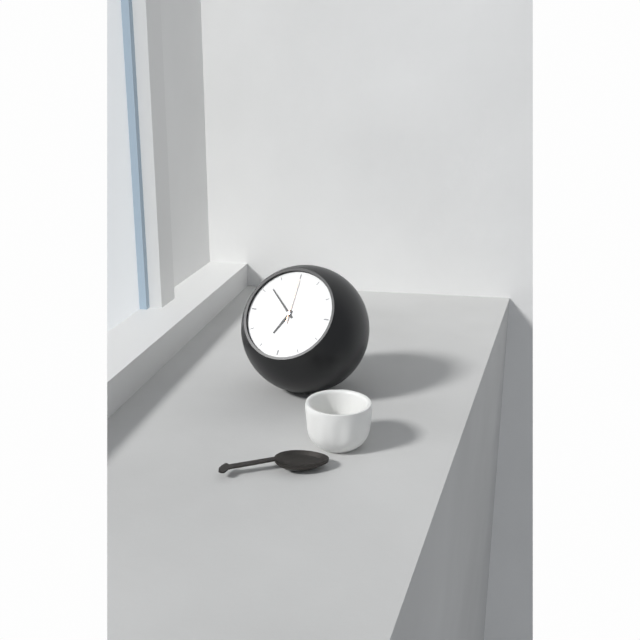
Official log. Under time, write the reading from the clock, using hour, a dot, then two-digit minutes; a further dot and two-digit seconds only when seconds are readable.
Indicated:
6.52.00
